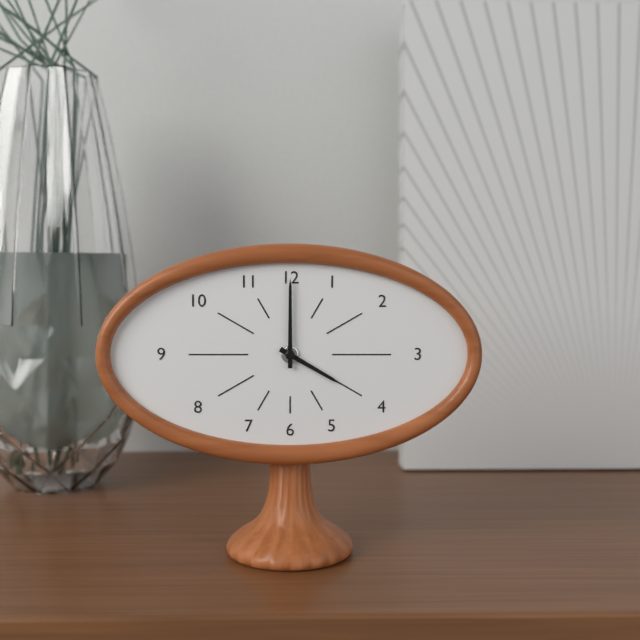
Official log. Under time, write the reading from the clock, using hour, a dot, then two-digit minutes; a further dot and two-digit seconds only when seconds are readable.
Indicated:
4.00
